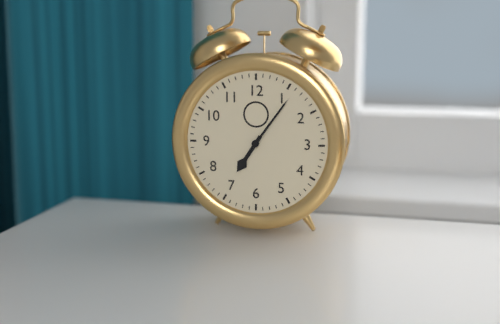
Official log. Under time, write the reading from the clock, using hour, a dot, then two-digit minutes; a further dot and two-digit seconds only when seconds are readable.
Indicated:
7.06
